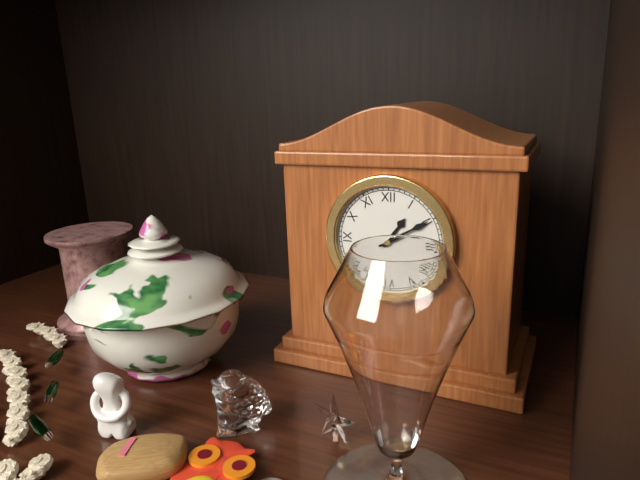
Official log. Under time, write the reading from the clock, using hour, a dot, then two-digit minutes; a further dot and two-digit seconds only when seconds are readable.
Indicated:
1.10
